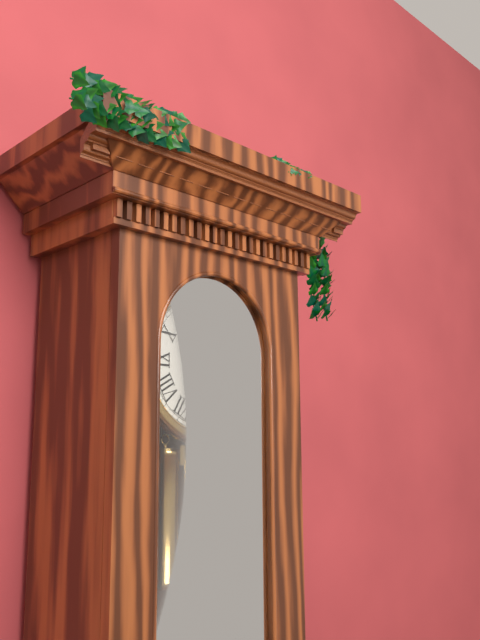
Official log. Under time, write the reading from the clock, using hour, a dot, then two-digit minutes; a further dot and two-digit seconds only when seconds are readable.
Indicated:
3.05
